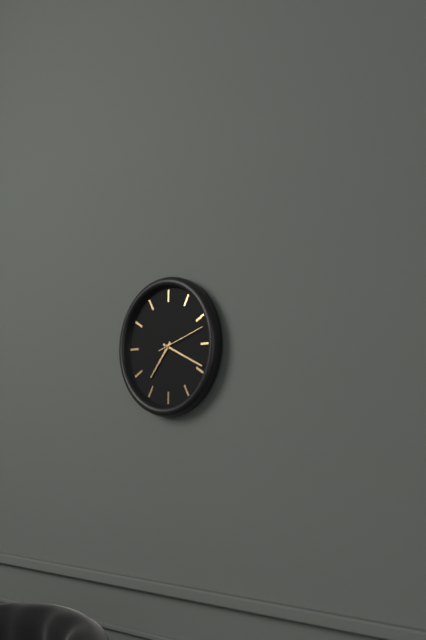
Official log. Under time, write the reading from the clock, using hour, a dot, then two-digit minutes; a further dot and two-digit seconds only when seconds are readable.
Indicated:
7.19.12
